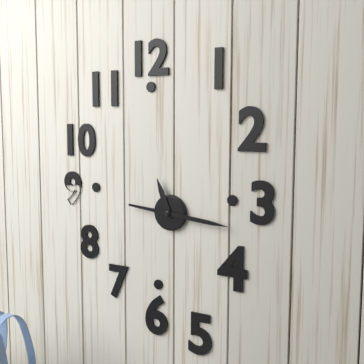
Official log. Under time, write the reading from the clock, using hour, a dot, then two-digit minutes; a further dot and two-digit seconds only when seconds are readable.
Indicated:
11.16
